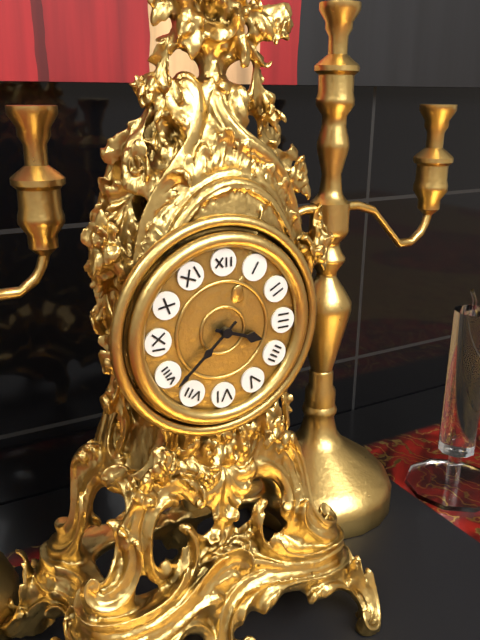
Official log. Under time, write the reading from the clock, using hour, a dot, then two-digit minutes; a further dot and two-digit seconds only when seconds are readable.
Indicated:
3.38
